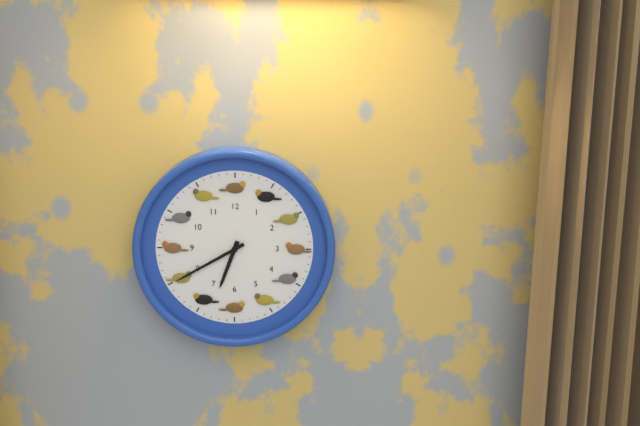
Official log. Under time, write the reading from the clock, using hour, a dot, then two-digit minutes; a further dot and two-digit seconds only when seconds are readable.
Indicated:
6.40
